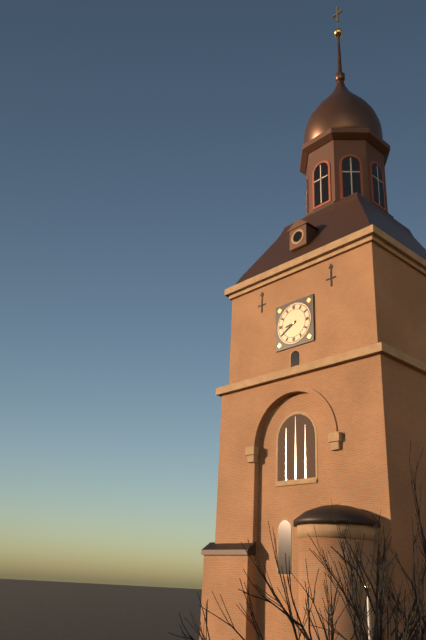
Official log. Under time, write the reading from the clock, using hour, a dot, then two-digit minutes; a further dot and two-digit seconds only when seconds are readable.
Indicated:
8.40
